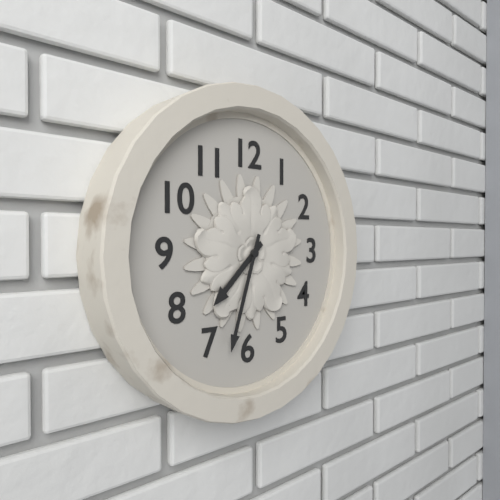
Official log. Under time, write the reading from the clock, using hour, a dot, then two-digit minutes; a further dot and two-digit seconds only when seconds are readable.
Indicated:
7.33
